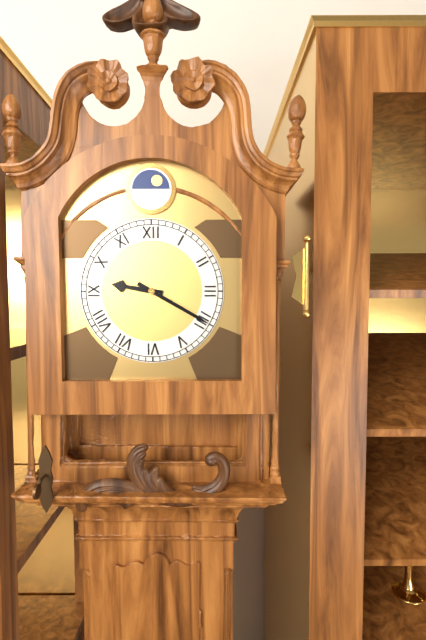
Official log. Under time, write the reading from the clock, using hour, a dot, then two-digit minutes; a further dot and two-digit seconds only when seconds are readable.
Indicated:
9.20
